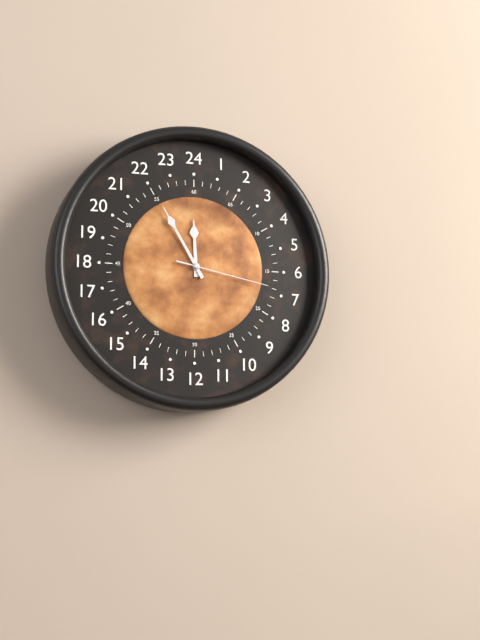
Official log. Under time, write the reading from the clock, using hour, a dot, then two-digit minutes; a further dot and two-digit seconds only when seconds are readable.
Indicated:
11.55.17
